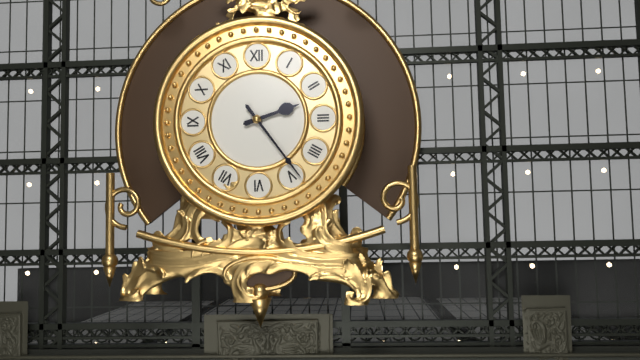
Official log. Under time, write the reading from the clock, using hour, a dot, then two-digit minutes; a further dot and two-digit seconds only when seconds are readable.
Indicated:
2.24
